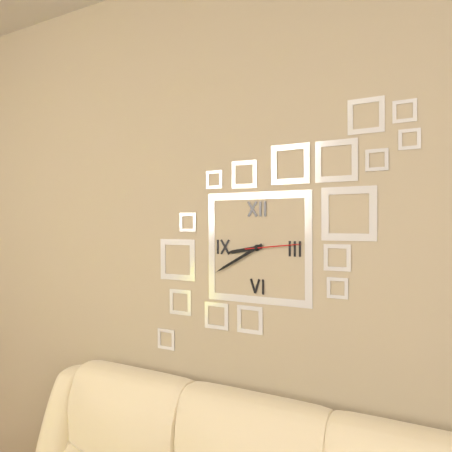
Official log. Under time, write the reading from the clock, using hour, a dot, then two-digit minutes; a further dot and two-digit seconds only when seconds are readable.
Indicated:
8.40.14
